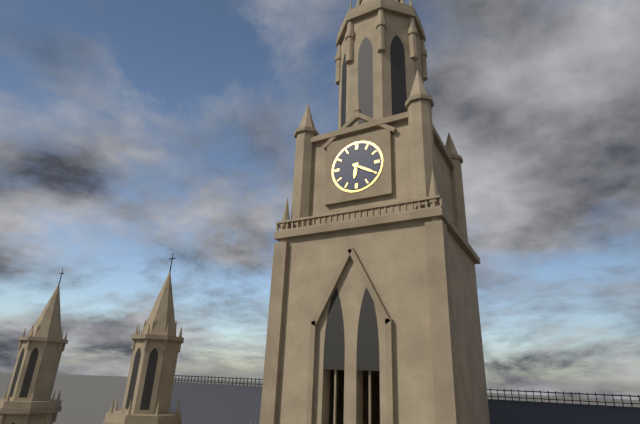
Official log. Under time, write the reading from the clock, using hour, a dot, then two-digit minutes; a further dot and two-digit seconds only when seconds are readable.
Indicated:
6.20
